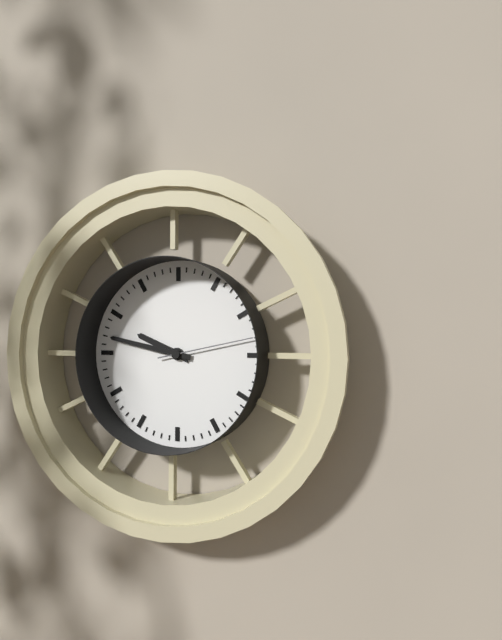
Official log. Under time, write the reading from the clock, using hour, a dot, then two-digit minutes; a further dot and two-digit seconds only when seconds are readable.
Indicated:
9.47.13
